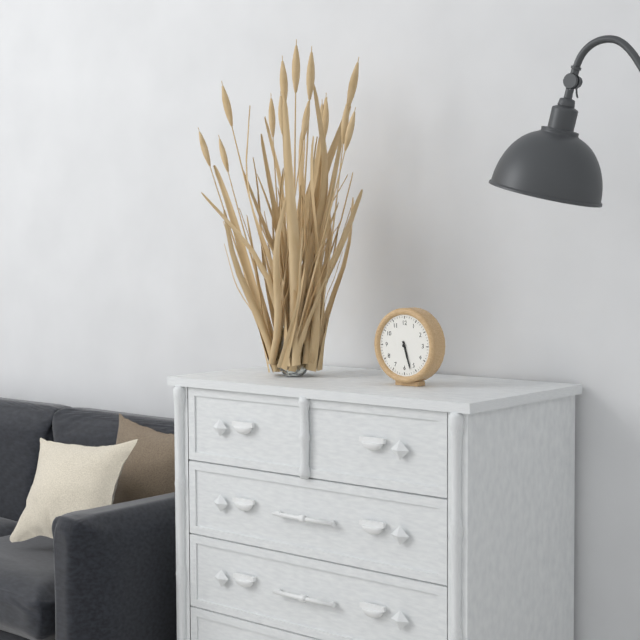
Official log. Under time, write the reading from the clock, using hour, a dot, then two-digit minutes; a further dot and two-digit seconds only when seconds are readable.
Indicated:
5.27
